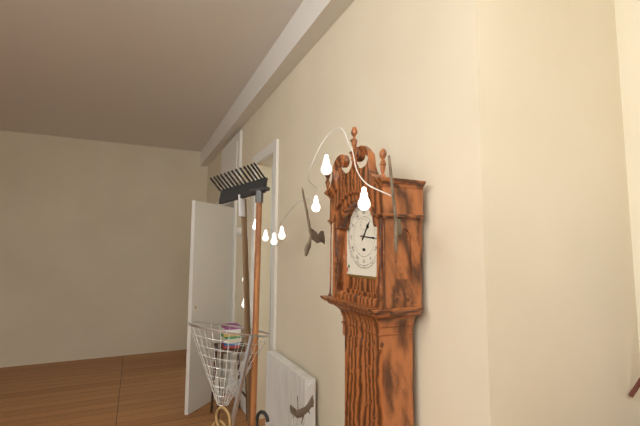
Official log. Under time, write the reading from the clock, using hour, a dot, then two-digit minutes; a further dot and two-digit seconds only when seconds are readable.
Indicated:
1.16
